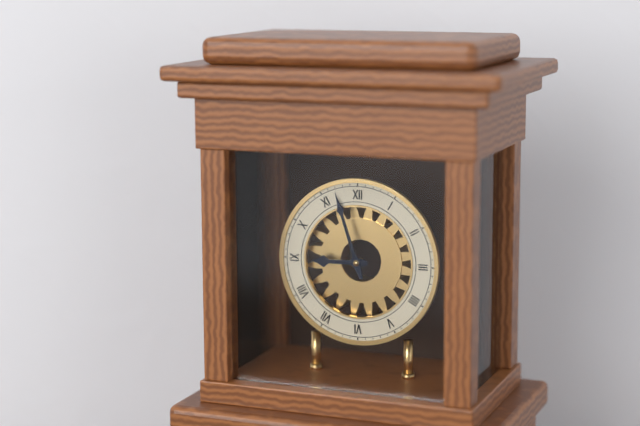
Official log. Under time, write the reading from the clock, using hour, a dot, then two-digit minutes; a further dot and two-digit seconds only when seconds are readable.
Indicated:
8.57
